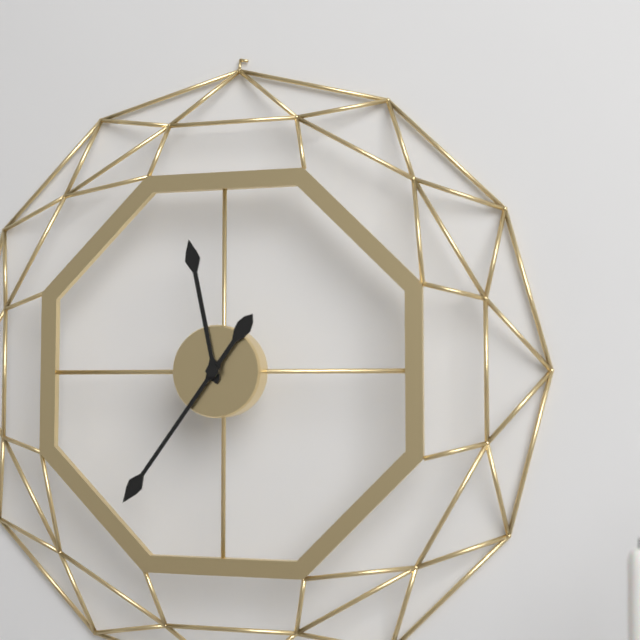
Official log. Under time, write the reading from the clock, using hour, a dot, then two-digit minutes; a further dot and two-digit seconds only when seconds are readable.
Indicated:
11.36
